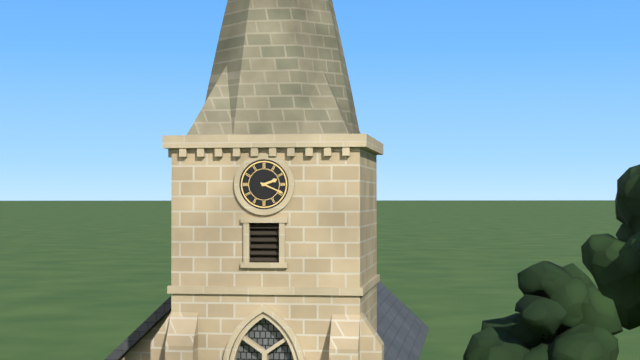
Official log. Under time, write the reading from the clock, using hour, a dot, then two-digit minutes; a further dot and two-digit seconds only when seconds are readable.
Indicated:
2.19
